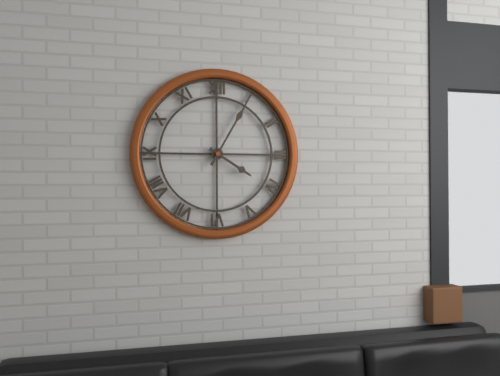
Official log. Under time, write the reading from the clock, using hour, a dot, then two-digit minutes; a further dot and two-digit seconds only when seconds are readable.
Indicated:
4.05
